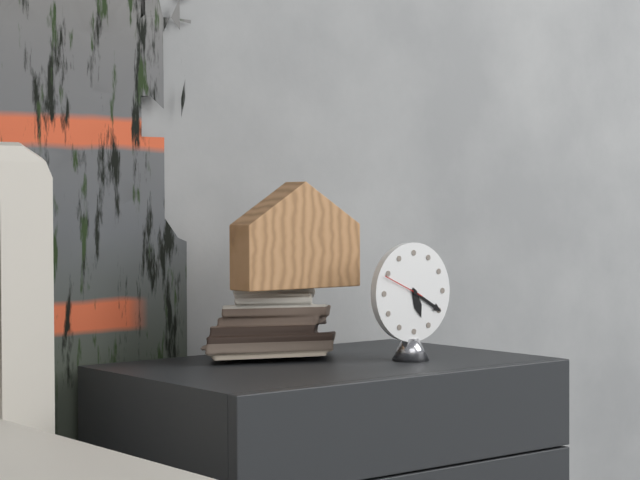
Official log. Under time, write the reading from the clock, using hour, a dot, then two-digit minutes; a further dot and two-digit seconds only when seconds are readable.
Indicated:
5.20
